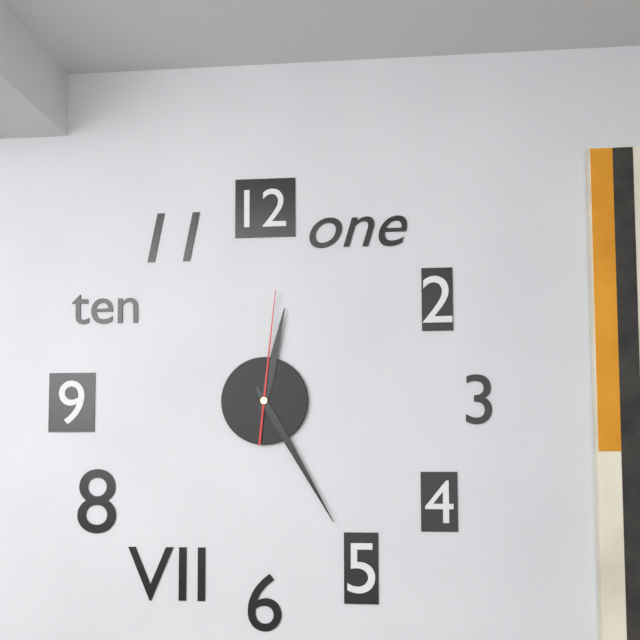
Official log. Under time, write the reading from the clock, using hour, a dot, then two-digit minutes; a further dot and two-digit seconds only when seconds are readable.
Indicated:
12.25.01
